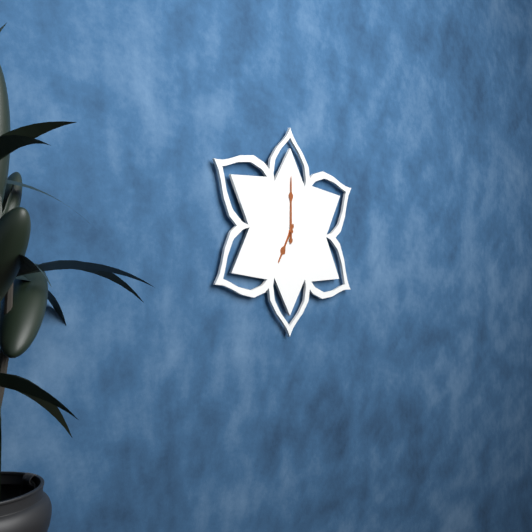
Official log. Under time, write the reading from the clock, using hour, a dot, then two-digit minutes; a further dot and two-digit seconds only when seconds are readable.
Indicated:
7.00
